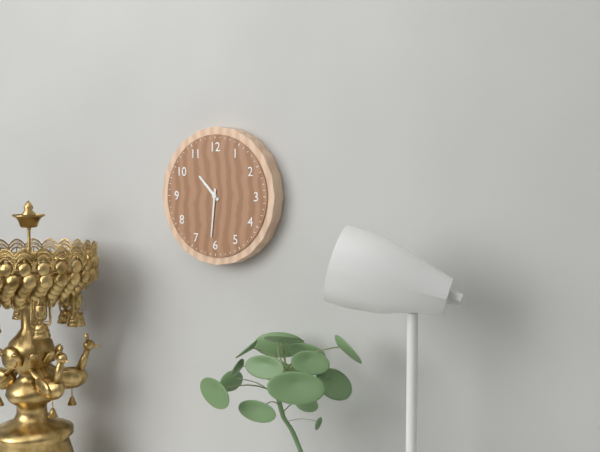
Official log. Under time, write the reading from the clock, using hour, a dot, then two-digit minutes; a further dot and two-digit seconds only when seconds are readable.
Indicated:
10.31
